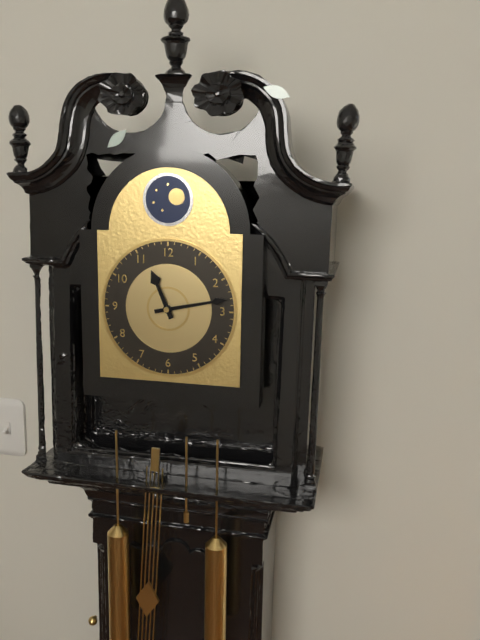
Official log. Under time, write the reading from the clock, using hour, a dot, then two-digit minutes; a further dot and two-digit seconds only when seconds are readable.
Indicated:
11.13
